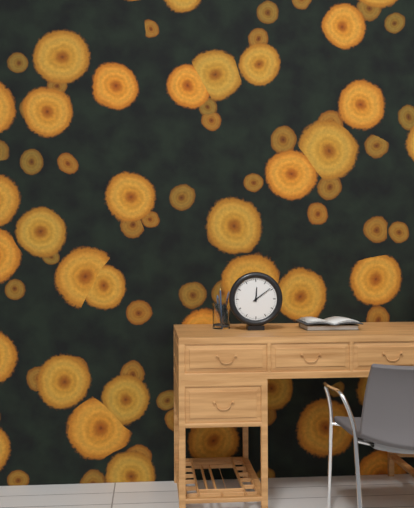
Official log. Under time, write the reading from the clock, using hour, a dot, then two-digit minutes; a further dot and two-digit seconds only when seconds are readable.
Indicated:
12.09
